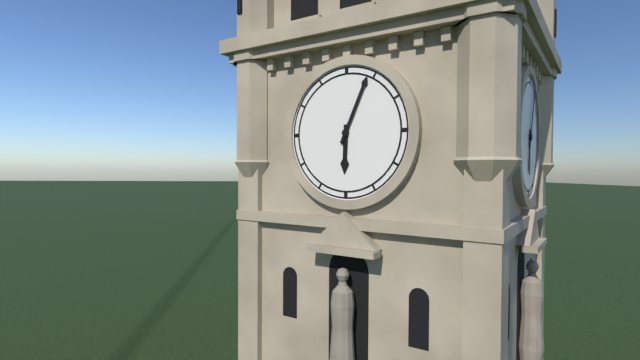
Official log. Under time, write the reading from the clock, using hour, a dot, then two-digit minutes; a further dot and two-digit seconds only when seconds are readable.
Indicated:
6.04
